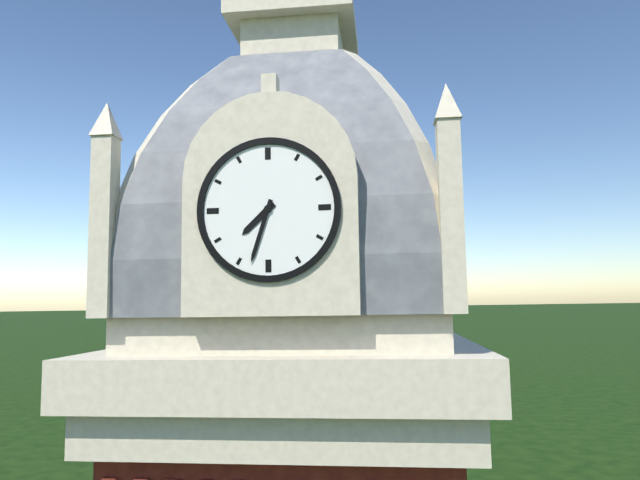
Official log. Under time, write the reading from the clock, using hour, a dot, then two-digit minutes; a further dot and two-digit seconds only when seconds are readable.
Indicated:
7.33
